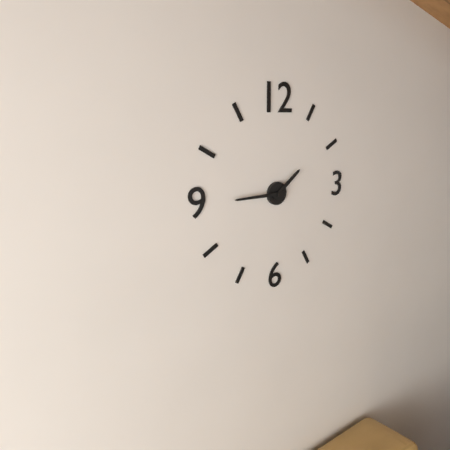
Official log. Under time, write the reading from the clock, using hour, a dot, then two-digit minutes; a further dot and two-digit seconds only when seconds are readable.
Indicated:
1.45
